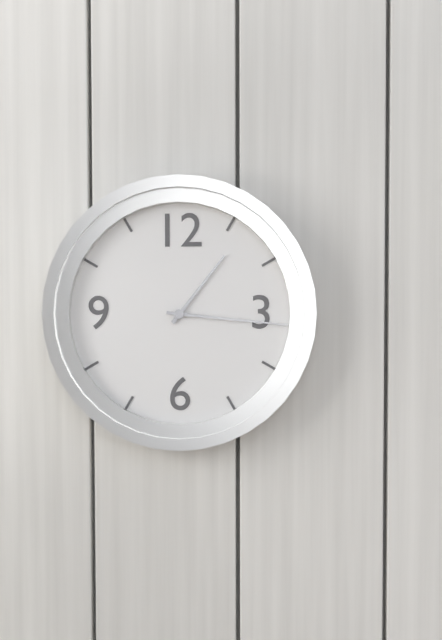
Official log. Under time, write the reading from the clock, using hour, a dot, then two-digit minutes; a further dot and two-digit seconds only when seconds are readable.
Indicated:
1.16
